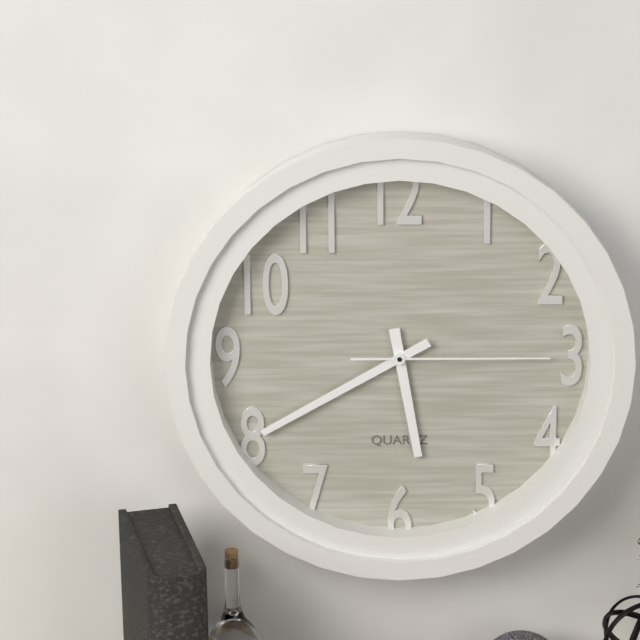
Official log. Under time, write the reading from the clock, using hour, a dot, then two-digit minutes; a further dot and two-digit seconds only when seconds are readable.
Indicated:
5.40.15
